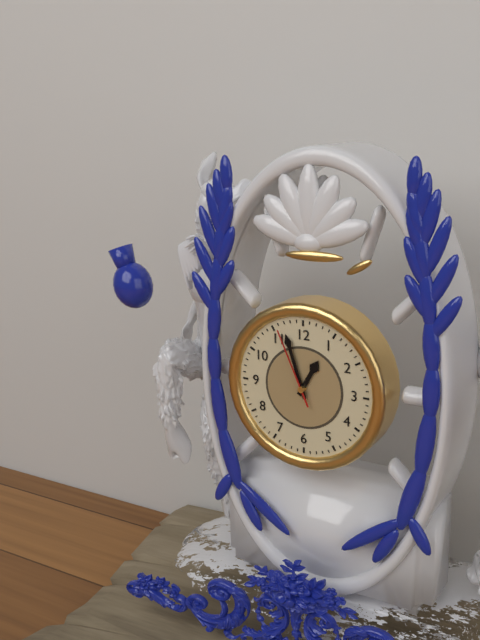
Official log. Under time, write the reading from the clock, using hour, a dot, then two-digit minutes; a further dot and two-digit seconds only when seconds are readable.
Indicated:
12.57.56
